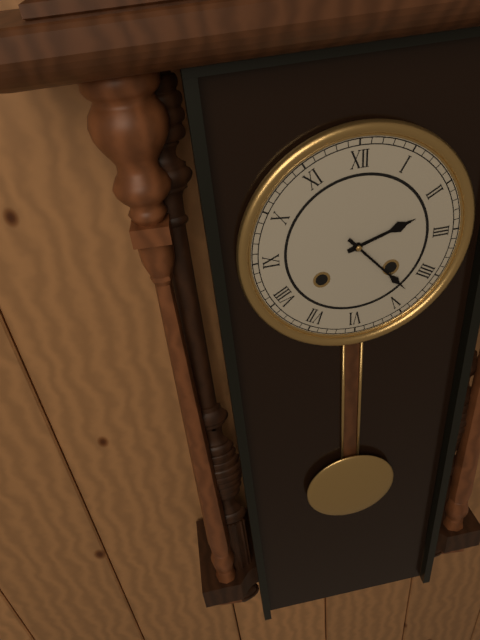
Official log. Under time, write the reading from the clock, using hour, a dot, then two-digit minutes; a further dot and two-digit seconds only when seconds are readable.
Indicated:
2.23
